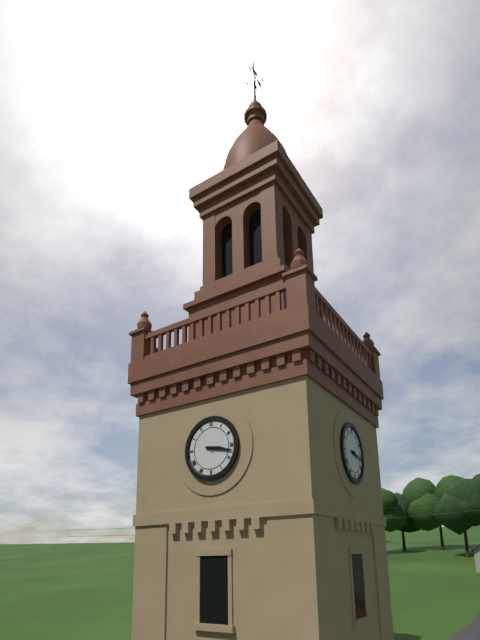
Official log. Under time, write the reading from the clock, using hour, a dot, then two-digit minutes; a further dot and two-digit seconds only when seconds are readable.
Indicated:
3.17
